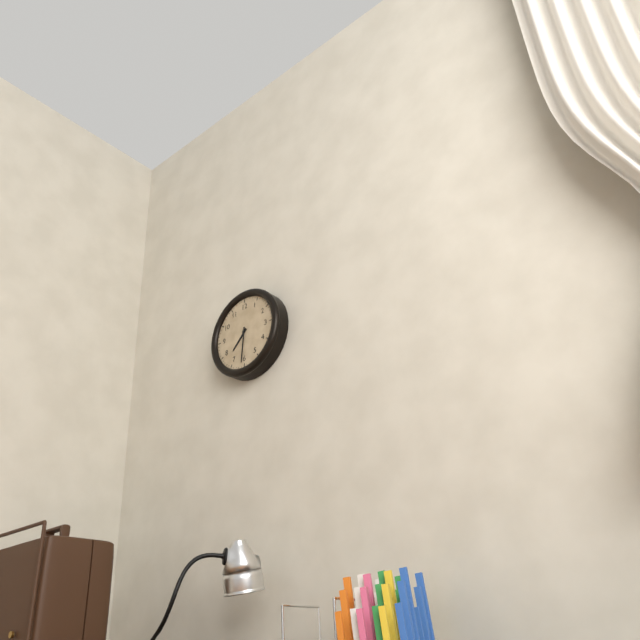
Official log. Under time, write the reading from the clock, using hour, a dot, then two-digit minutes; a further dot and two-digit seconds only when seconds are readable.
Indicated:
7.31
